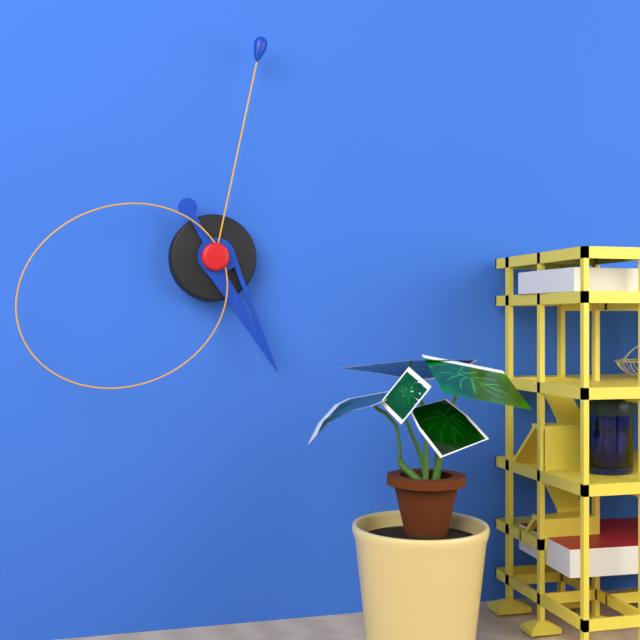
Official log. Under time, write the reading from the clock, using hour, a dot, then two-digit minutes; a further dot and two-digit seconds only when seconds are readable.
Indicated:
5.02.41
